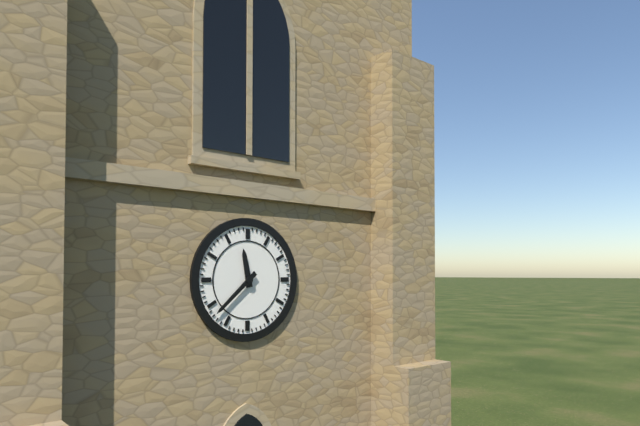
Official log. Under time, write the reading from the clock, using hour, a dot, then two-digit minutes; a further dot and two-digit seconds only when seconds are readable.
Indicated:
11.38
